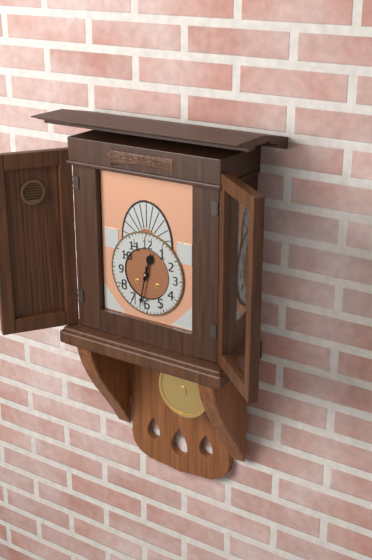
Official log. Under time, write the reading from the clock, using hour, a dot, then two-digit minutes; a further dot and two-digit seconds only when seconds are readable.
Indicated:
12.32
